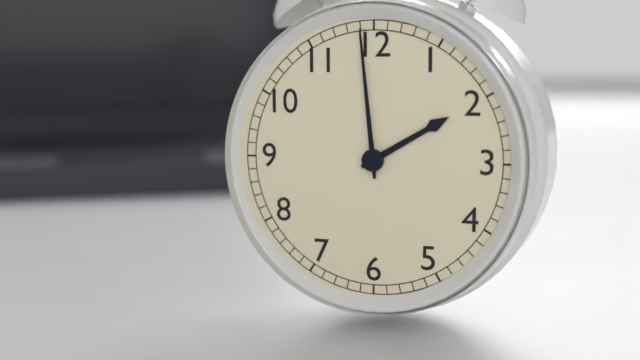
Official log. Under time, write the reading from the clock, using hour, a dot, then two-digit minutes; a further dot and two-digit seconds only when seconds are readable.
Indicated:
1.59
